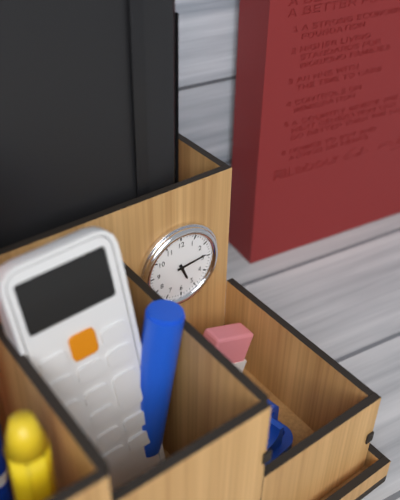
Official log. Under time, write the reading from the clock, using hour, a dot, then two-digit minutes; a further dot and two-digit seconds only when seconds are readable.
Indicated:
5.14
